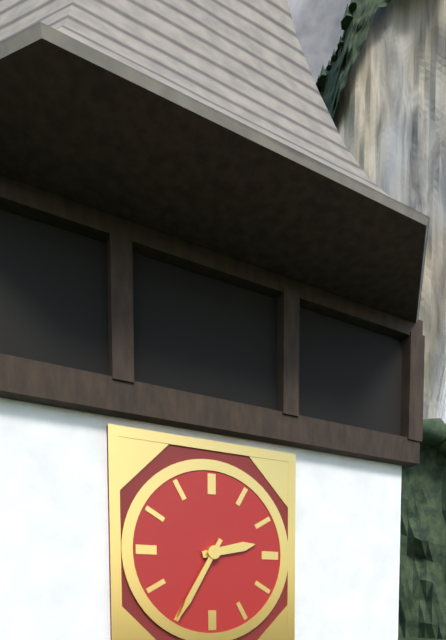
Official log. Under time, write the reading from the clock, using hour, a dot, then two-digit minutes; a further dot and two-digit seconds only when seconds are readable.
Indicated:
2.35
